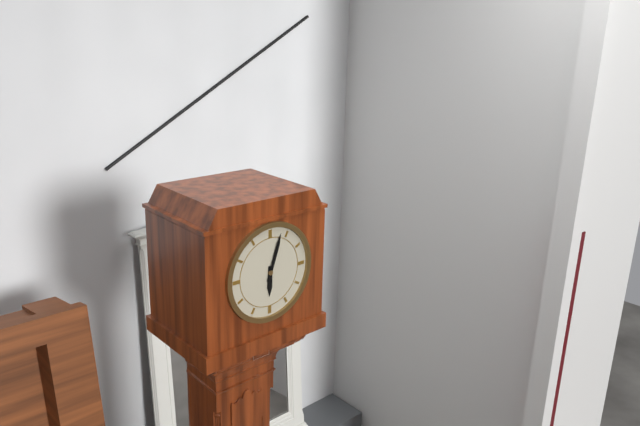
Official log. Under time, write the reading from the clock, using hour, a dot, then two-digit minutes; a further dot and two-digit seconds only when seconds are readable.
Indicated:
6.03
